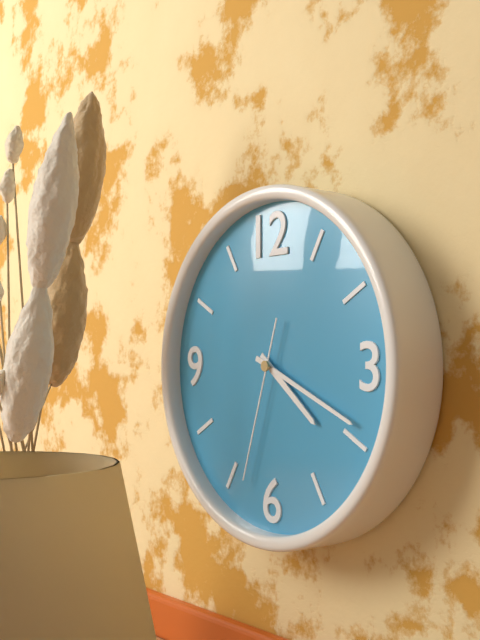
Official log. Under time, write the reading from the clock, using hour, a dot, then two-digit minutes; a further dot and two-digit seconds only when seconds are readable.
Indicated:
4.19.33
